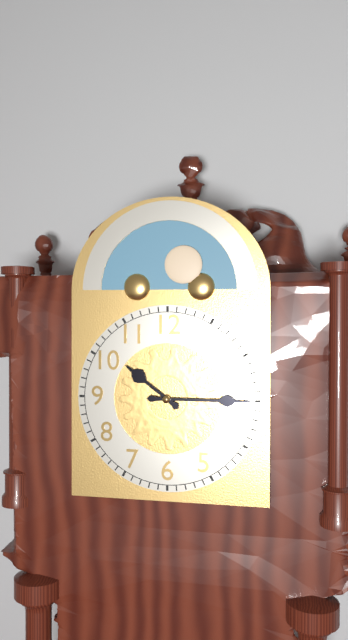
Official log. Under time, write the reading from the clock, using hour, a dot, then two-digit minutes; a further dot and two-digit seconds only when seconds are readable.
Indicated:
10.15
